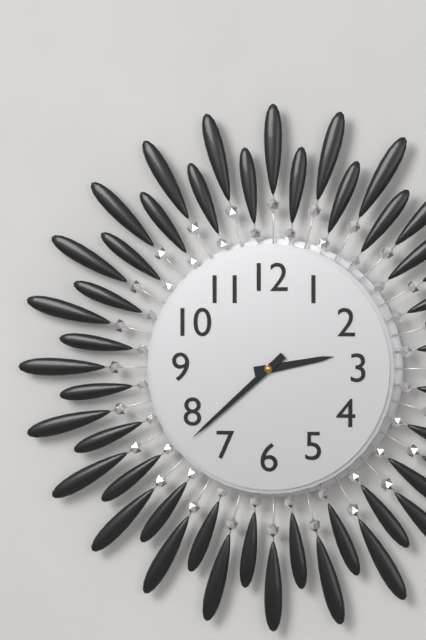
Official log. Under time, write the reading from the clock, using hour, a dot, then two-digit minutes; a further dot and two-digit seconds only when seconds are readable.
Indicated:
2.38
